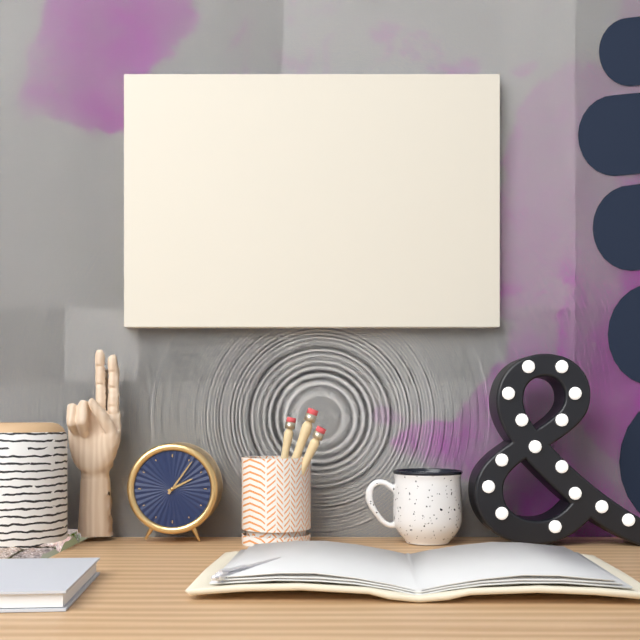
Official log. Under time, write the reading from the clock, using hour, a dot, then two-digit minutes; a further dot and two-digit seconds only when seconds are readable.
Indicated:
2.06
